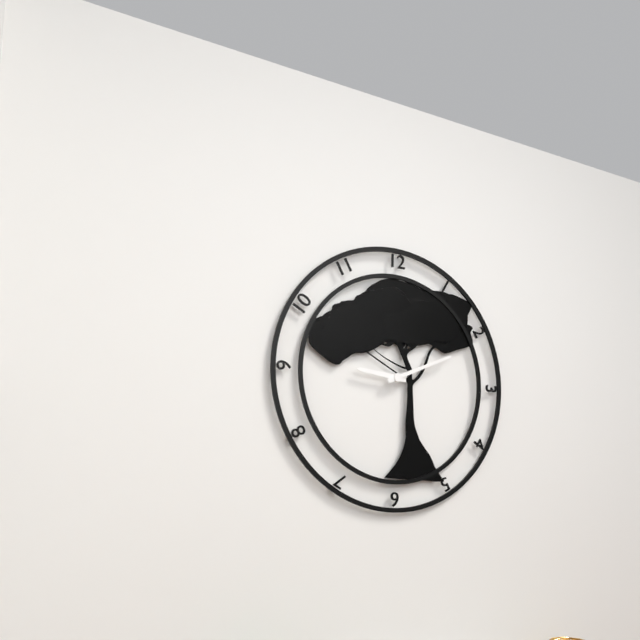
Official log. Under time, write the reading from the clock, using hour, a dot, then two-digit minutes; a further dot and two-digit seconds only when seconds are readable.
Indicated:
9.11
